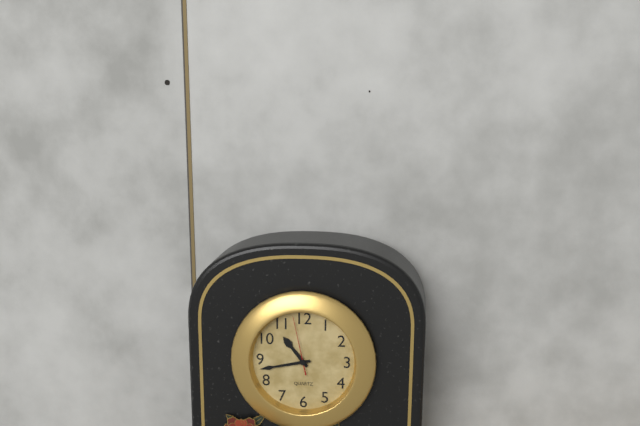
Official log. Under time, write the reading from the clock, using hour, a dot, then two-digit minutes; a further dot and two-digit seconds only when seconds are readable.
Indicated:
10.43.58
